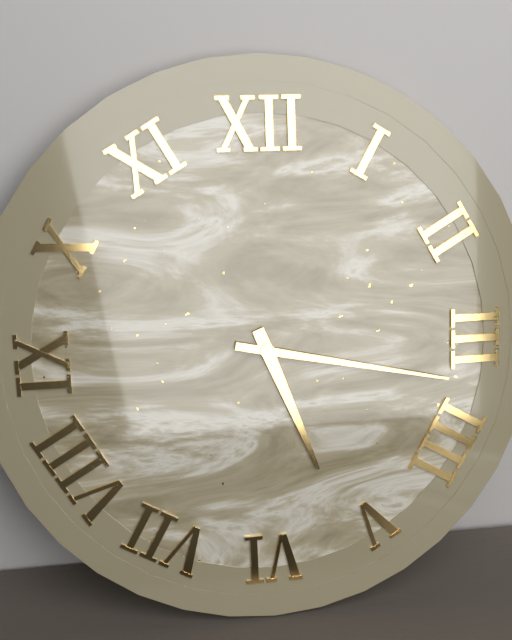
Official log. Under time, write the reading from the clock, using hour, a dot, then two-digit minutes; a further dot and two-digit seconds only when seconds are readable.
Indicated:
5.17
